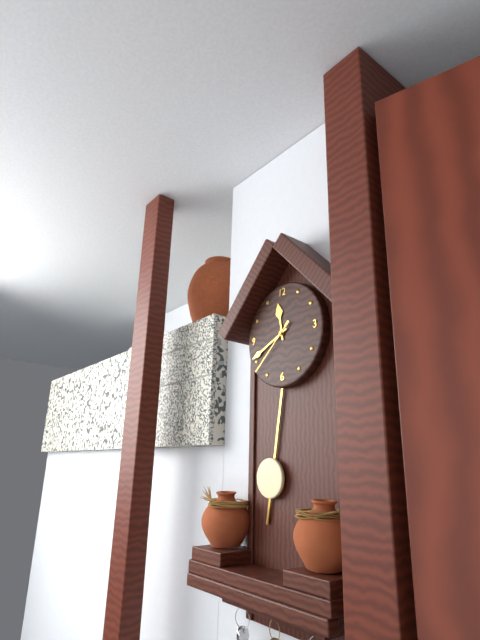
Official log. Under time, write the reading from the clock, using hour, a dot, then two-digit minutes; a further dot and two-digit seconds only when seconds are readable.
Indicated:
11.41.38
